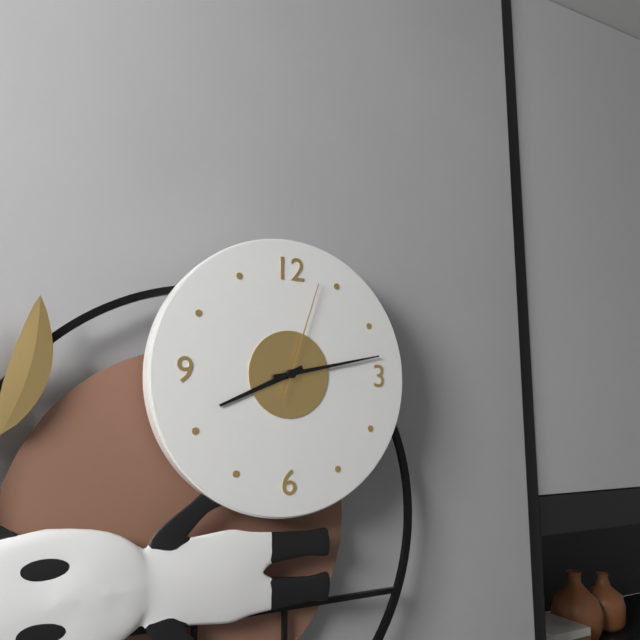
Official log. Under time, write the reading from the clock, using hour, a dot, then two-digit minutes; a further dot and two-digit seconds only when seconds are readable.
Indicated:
8.13.03
